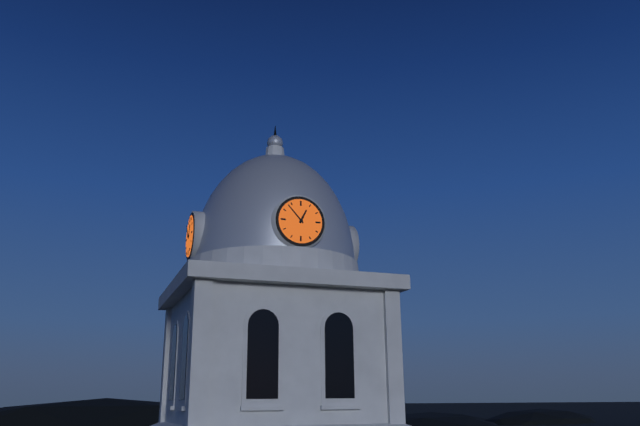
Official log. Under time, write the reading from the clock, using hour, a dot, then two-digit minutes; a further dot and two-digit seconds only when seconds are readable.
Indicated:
12.53
